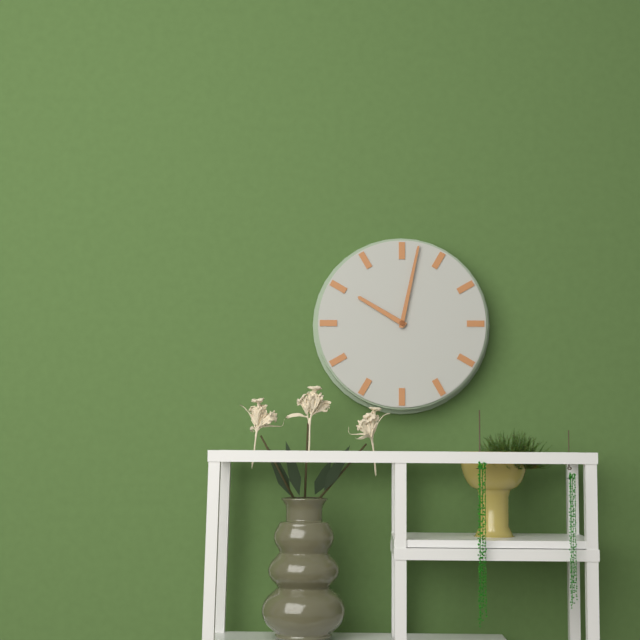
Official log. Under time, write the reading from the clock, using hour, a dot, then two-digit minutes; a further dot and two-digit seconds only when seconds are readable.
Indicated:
10.02
